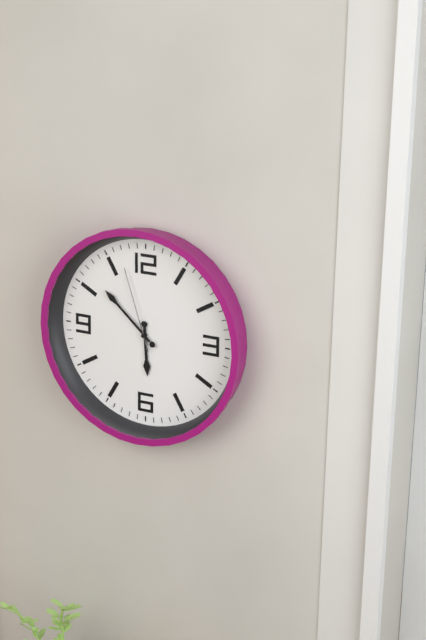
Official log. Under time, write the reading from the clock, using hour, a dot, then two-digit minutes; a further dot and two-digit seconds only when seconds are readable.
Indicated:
5.52.57
